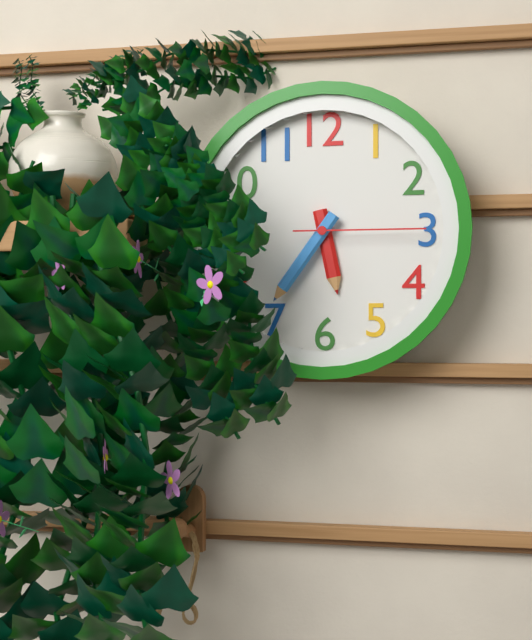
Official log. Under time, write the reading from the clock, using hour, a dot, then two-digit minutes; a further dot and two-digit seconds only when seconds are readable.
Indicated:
5.36.15
